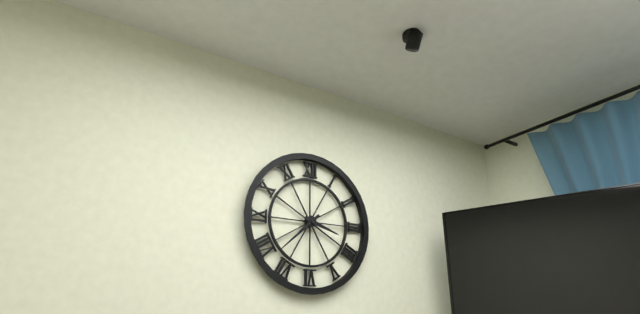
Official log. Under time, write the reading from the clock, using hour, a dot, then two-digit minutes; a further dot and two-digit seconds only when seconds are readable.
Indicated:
3.38
